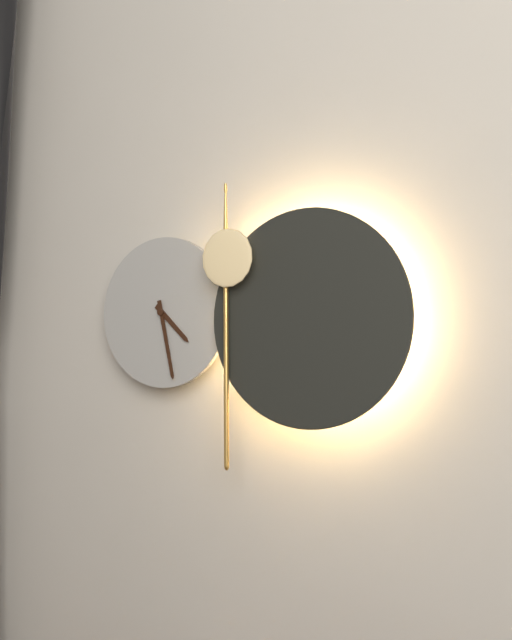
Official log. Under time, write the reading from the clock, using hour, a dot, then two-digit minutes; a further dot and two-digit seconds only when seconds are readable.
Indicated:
4.28
